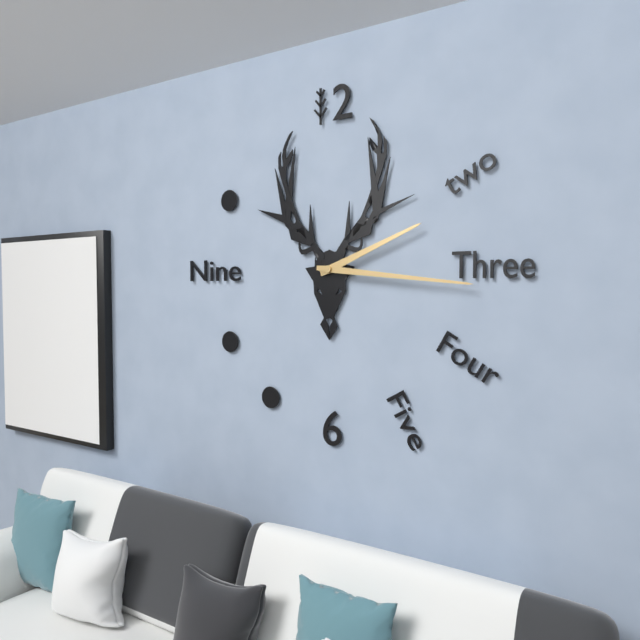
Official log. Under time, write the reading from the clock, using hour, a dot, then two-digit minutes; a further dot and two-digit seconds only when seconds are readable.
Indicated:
2.16
